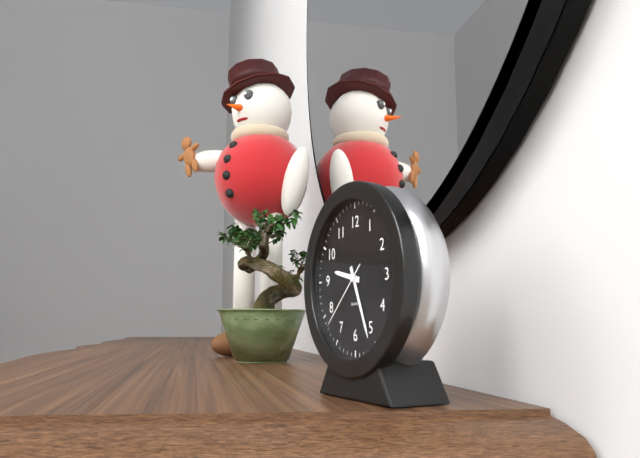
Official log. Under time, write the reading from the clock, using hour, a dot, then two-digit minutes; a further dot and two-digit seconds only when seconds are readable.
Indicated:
9.26.38
